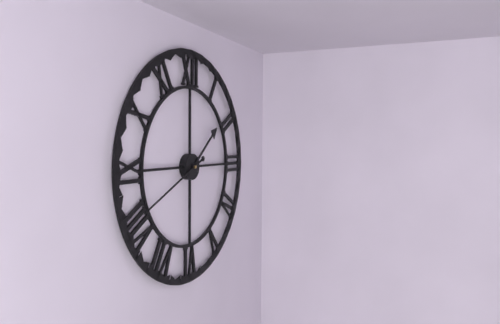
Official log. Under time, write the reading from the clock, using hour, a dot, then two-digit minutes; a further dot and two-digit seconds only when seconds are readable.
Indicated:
1.41
